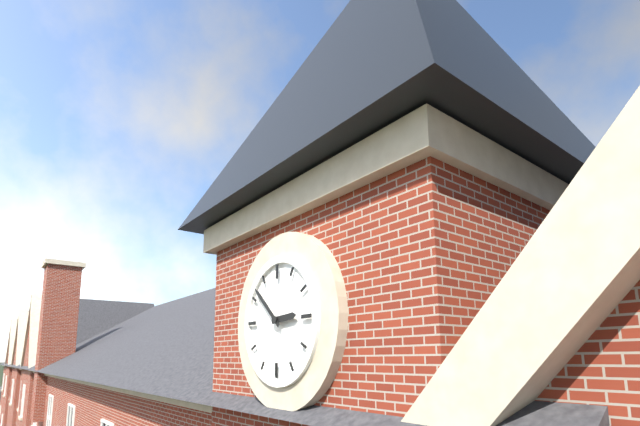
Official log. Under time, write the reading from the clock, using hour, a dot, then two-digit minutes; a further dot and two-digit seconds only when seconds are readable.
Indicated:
2.52
